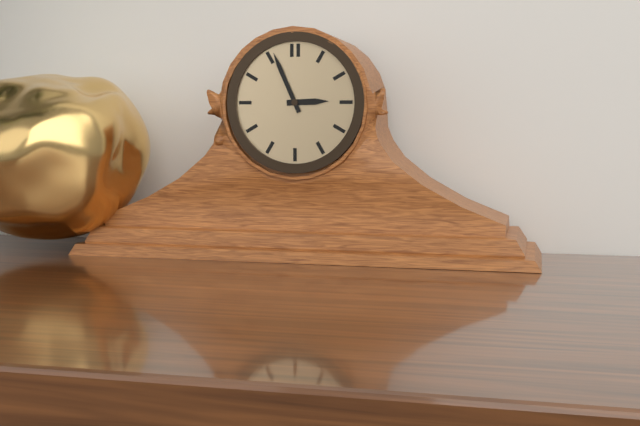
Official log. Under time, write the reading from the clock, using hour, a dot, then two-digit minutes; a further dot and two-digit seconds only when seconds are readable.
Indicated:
2.56
